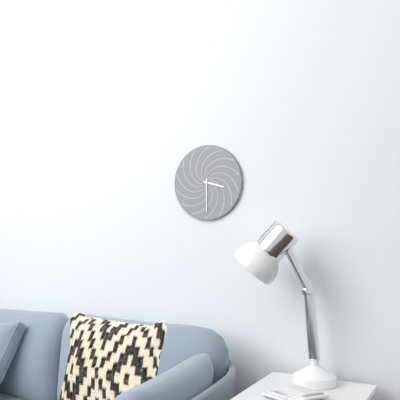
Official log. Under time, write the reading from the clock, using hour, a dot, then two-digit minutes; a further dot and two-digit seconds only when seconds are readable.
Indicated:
3.30
